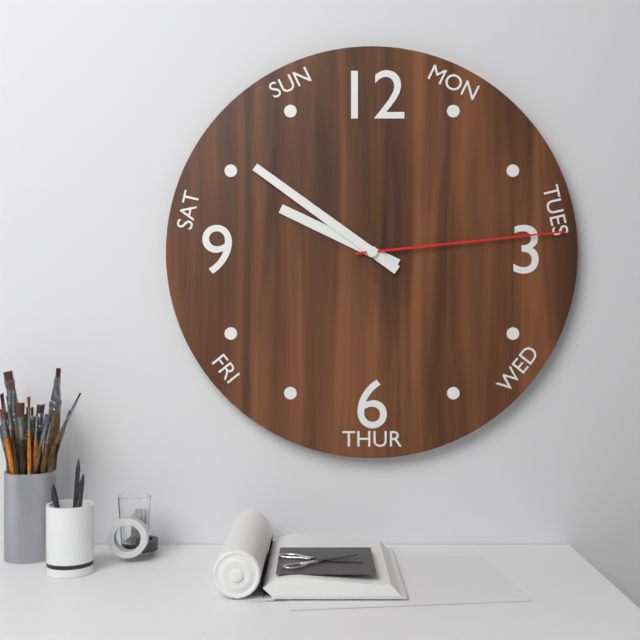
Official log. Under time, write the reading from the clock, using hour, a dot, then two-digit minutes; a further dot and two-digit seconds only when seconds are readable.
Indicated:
9.51.14
